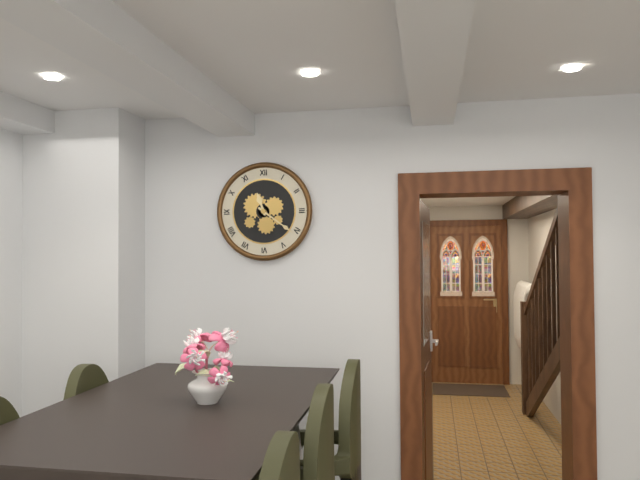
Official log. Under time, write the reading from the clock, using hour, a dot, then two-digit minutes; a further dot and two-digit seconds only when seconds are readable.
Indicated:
11.21
